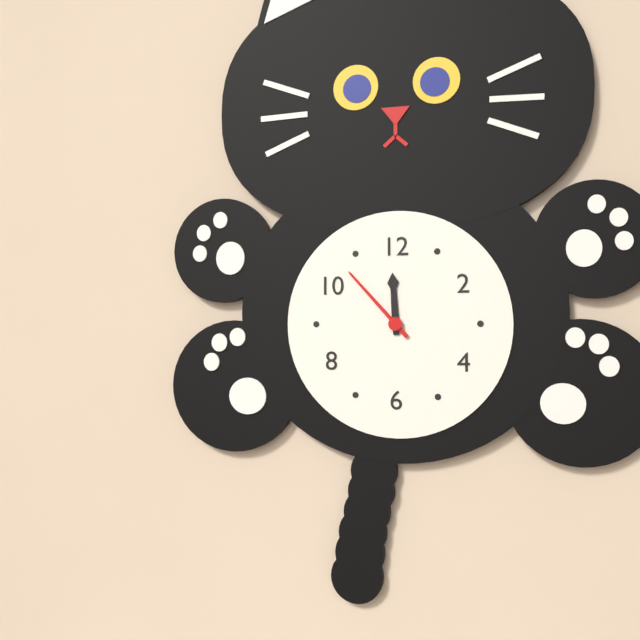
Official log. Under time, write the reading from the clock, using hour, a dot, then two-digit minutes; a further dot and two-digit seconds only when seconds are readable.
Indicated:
11.53
